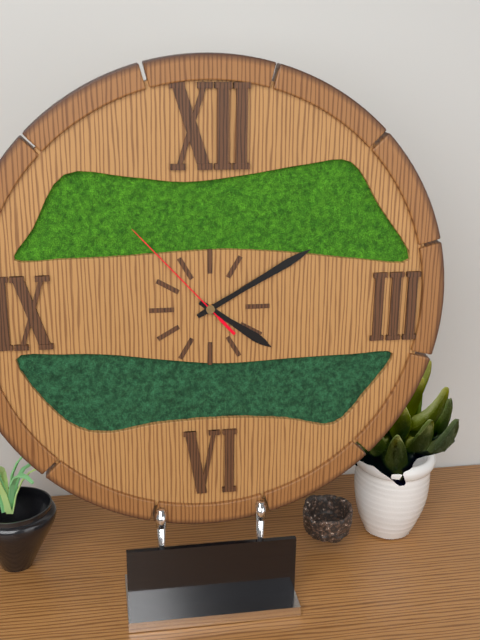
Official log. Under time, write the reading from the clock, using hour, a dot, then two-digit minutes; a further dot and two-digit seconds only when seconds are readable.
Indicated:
4.10.53
